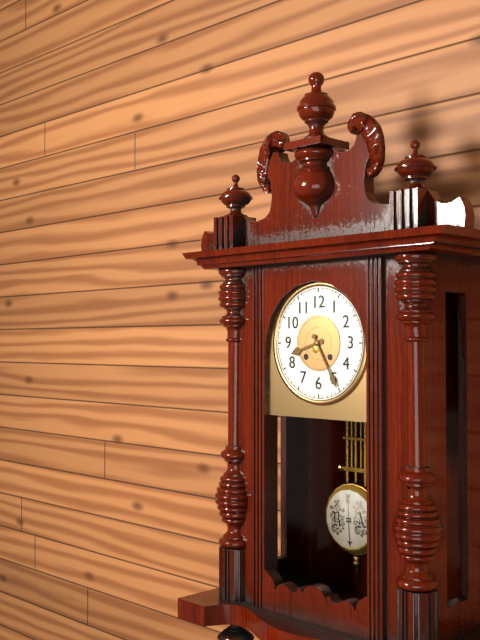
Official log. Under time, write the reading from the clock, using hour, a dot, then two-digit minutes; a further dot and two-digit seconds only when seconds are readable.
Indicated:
8.25
